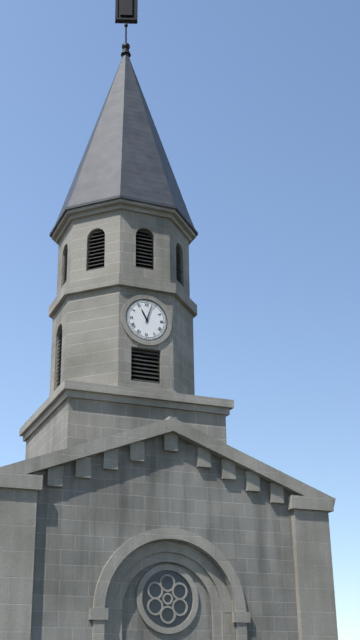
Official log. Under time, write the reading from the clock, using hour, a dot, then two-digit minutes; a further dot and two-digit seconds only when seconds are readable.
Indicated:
11.03
